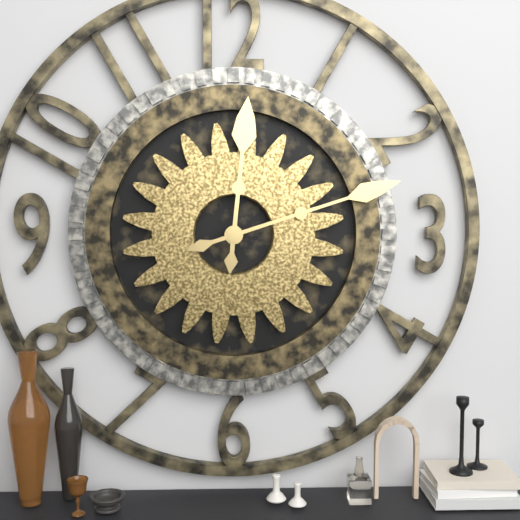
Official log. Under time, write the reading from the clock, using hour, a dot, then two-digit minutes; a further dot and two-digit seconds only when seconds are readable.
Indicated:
12.12
